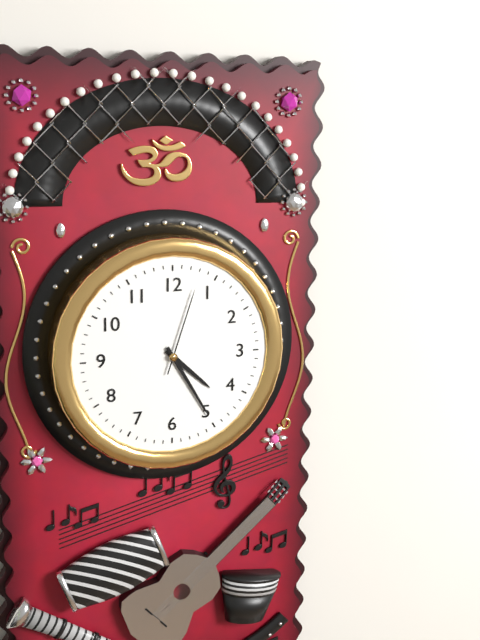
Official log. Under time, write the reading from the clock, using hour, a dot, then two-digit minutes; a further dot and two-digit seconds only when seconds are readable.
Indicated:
4.25.03
